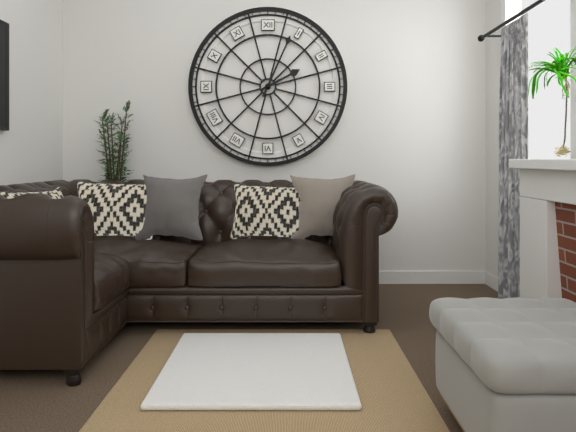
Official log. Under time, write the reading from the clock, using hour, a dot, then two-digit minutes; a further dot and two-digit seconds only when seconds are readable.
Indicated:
2.04
